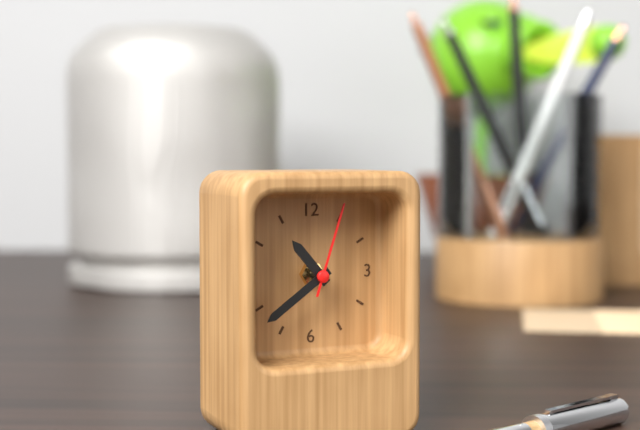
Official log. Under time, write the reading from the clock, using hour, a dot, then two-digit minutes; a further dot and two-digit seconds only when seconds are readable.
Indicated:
10.39.03
